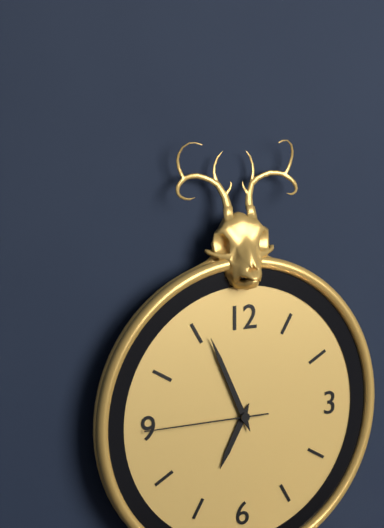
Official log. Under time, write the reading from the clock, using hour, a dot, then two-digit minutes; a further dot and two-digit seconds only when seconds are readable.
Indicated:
6.56.45
